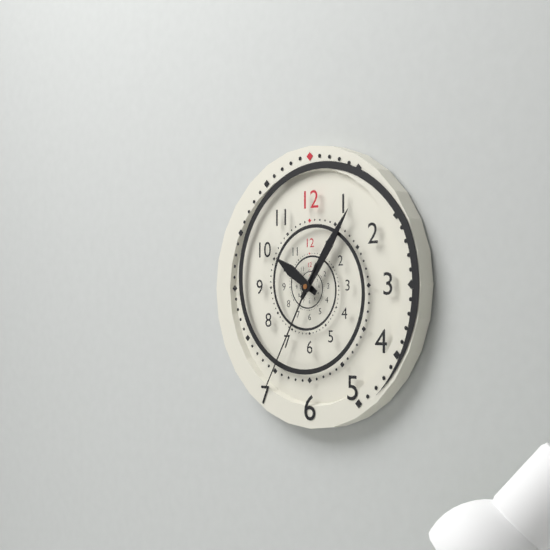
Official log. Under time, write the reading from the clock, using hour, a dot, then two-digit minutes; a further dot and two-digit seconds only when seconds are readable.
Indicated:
10.06.35
